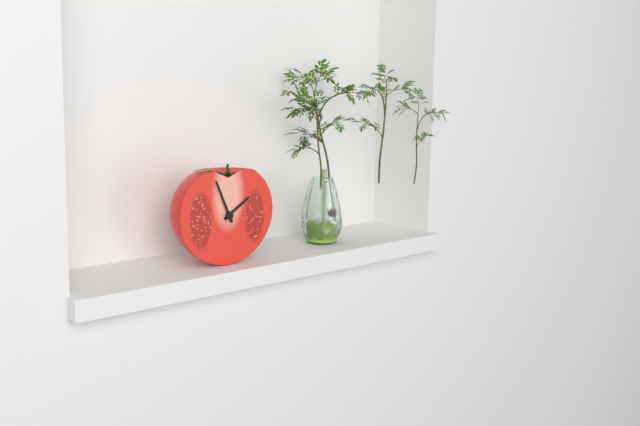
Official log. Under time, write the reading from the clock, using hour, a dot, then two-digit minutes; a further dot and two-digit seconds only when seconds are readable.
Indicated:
1.56
